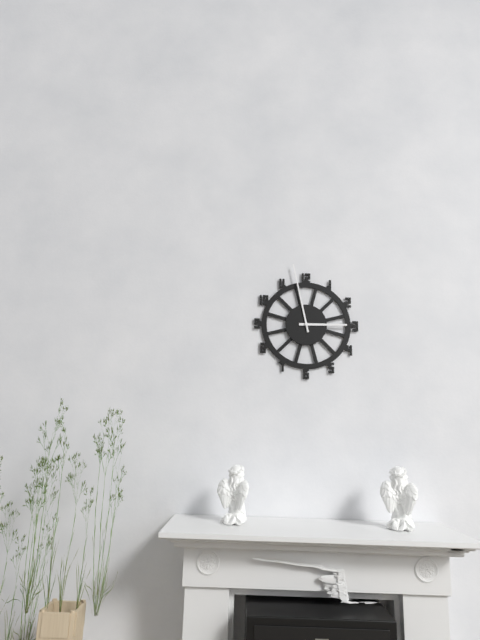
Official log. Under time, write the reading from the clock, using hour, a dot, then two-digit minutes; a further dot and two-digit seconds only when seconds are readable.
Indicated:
2.58
